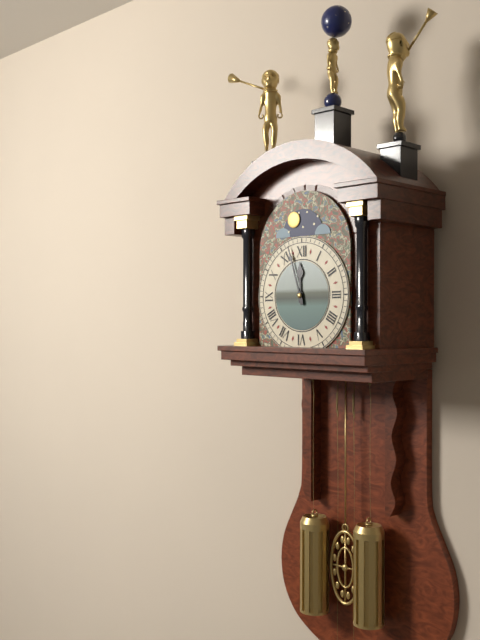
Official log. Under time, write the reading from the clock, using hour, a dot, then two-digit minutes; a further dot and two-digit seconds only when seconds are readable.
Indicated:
11.57
